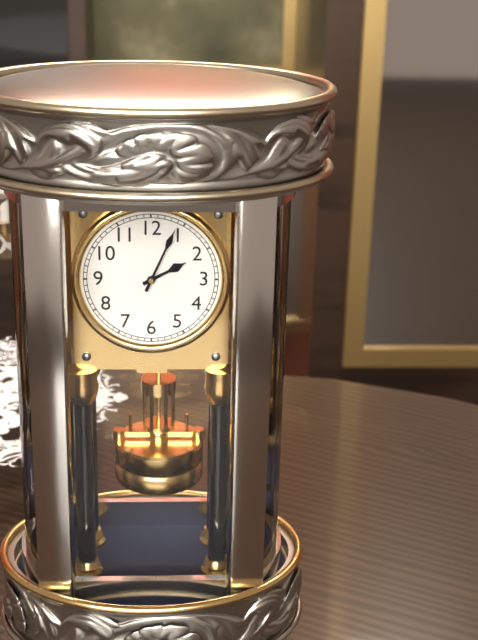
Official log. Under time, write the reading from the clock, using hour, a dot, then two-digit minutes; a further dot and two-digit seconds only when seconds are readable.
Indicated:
2.04
